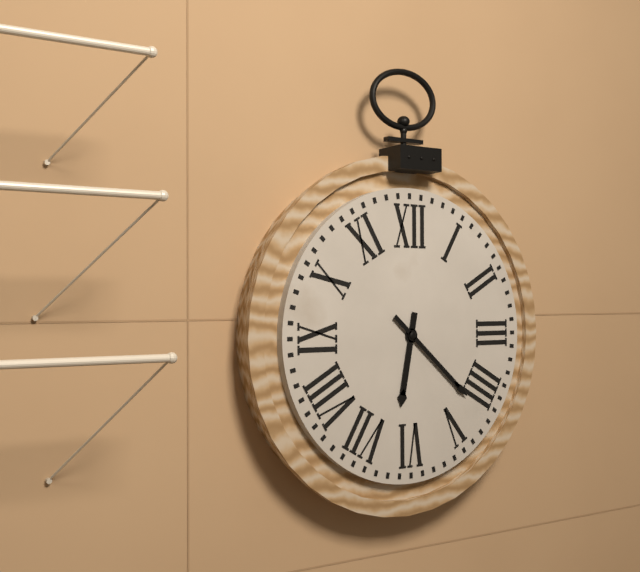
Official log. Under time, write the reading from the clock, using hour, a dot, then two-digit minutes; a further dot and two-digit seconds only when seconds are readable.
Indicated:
6.22
